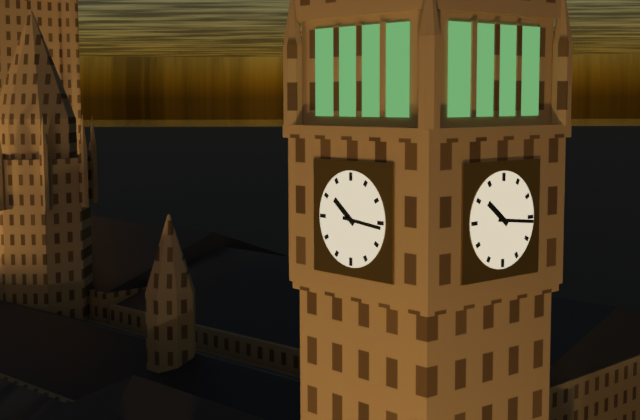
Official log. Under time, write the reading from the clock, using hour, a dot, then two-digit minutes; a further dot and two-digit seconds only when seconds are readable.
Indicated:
10.16
